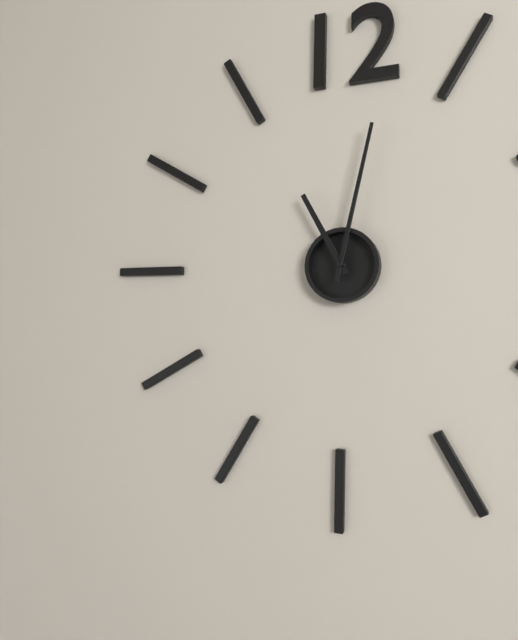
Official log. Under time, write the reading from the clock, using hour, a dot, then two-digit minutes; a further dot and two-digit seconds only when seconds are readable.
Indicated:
11.02
